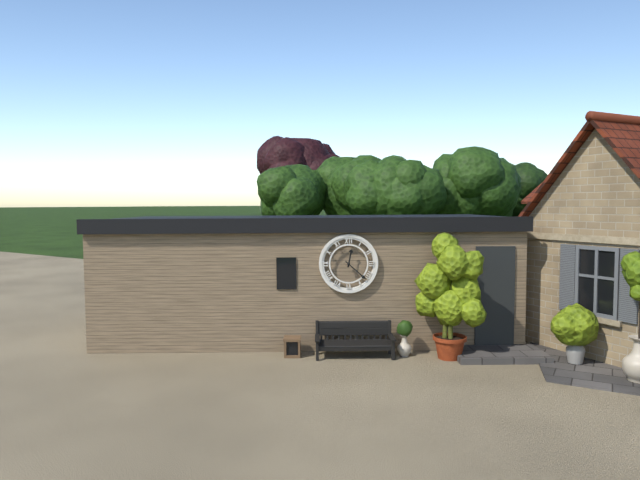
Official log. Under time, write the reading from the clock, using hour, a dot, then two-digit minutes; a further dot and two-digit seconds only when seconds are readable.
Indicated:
12.22
